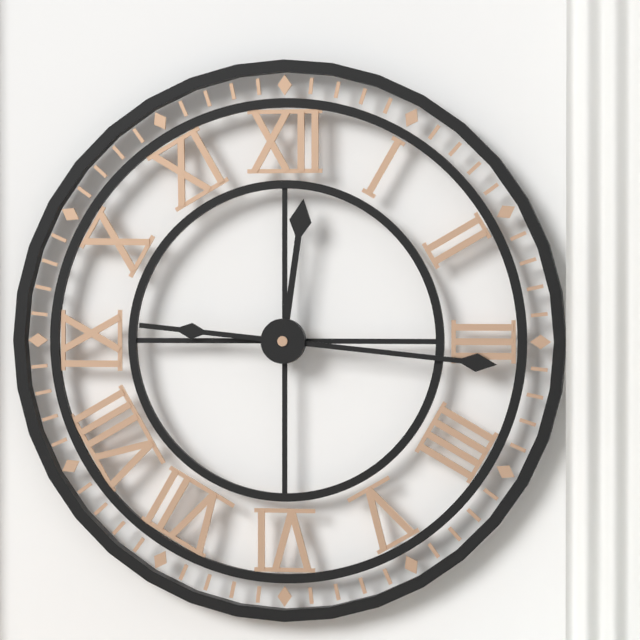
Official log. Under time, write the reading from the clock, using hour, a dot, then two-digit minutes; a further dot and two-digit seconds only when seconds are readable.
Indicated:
12.16
